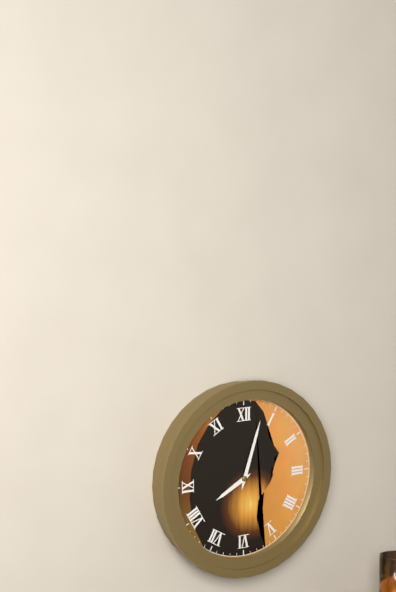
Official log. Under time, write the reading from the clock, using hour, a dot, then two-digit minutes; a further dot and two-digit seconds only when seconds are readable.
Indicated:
8.03
